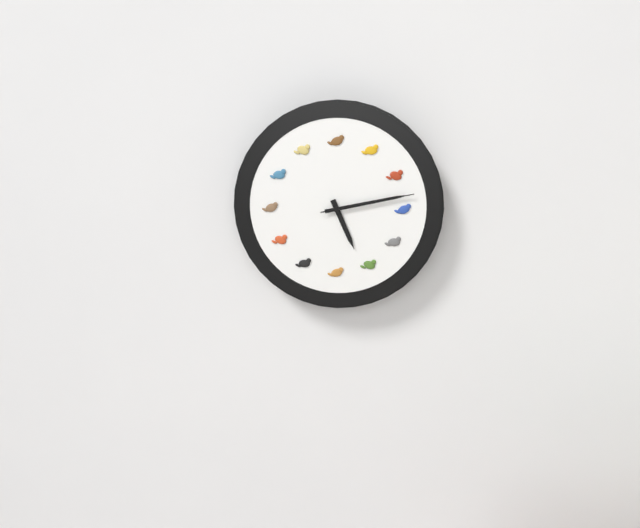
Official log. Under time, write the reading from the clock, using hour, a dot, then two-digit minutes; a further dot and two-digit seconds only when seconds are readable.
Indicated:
5.13.13
